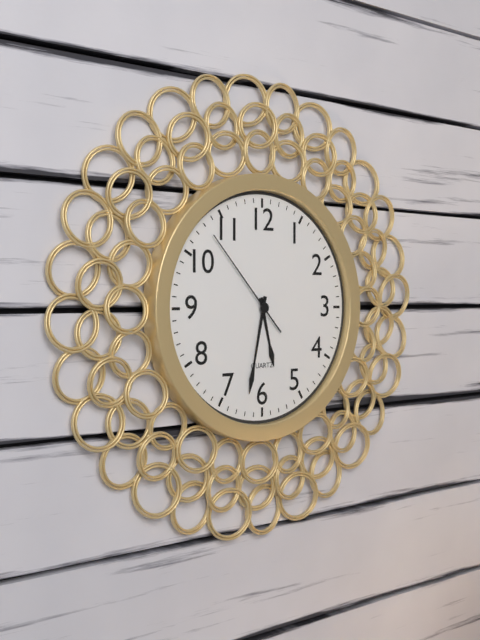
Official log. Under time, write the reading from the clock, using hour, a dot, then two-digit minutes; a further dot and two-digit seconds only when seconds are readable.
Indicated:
5.32.53
